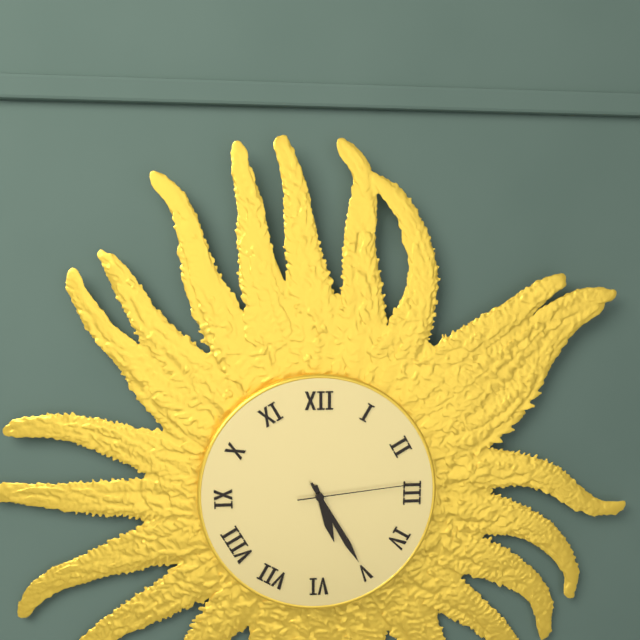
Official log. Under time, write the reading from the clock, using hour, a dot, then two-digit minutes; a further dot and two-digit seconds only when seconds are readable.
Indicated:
5.25.14
